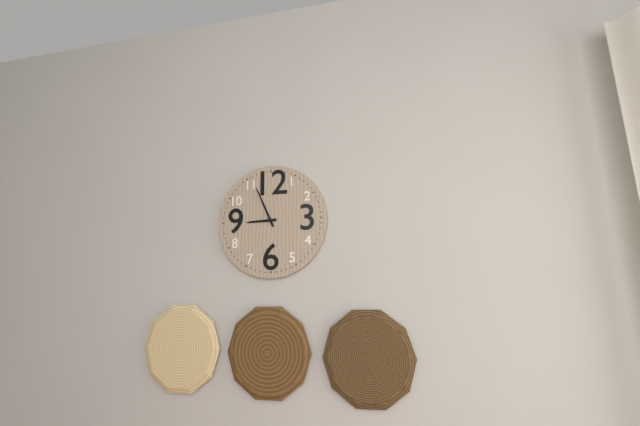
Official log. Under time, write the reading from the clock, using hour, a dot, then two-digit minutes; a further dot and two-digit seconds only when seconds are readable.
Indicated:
8.56
